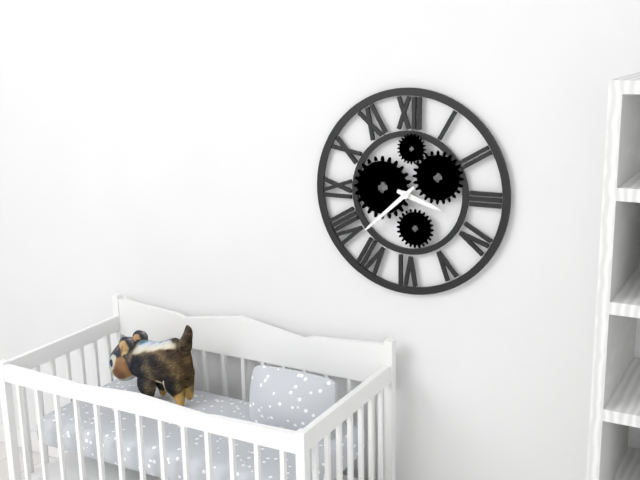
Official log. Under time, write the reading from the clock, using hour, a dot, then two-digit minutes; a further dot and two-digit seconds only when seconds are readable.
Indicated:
3.38
